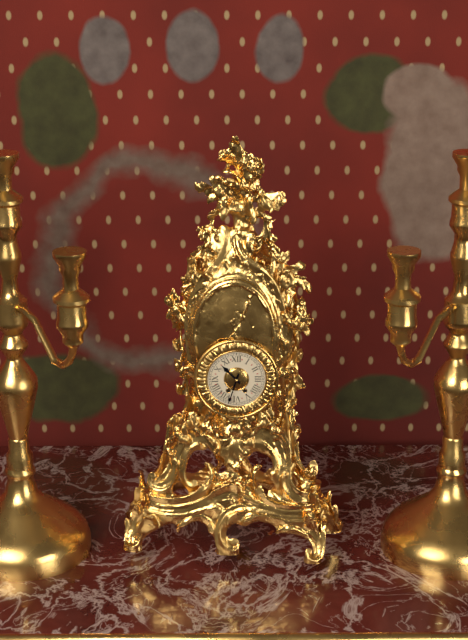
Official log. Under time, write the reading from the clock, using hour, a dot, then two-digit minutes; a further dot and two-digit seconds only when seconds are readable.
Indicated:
10.33
